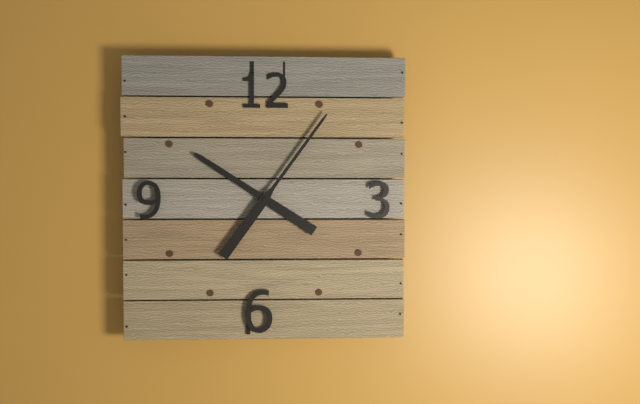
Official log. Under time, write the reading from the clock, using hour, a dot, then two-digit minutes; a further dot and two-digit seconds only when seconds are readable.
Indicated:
10.06
